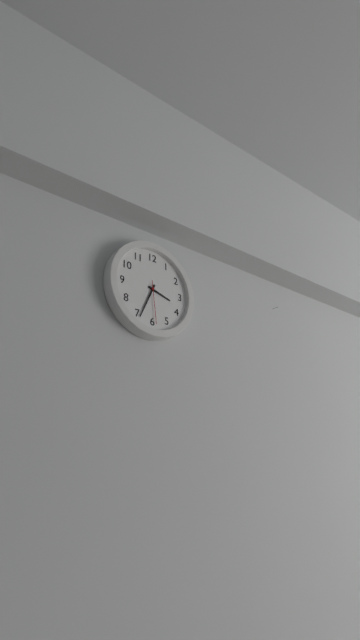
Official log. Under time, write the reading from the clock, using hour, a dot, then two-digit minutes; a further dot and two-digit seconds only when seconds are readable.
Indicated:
3.34
